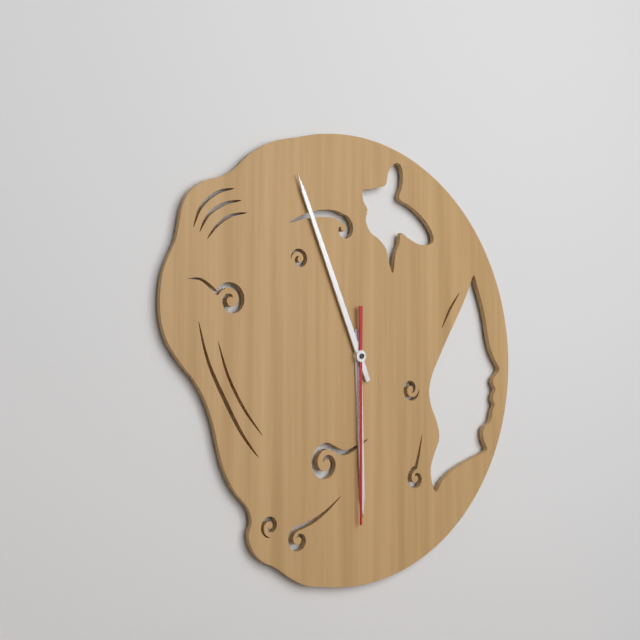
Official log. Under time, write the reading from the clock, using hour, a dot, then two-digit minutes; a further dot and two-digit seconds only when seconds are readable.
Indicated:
5.56.30
